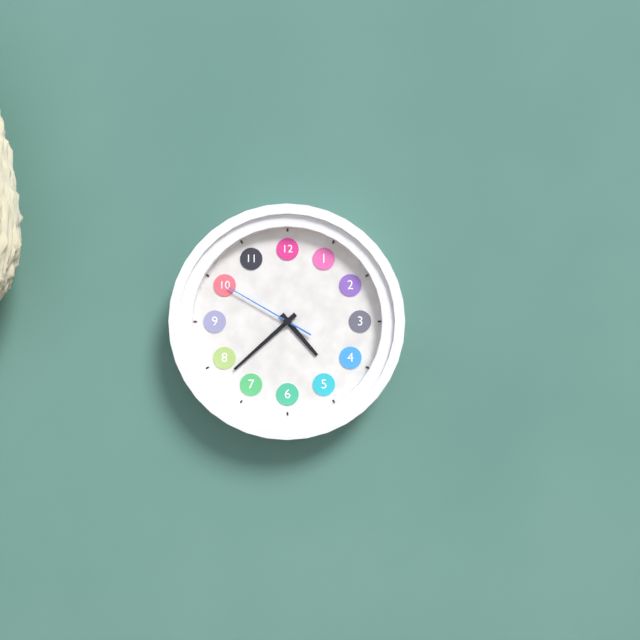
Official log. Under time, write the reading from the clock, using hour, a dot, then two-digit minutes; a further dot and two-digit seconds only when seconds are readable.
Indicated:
4.38.50
